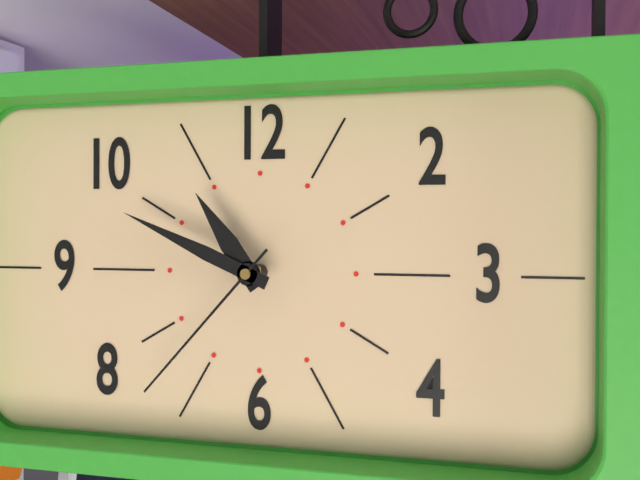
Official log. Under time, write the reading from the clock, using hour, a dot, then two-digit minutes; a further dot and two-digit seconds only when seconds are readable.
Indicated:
10.49.37
